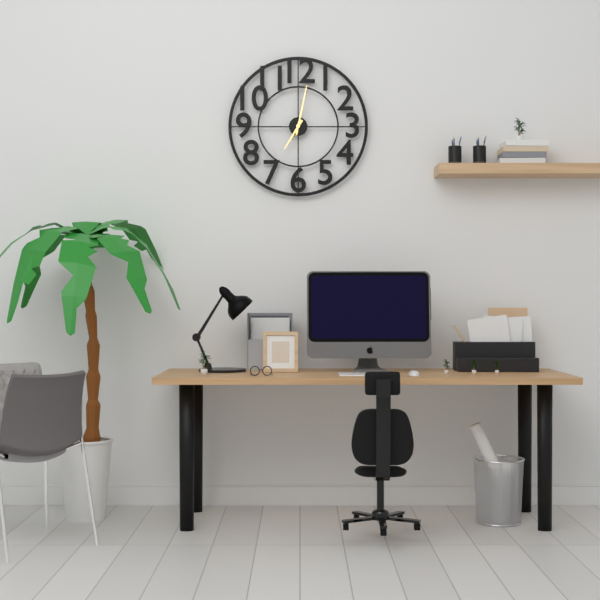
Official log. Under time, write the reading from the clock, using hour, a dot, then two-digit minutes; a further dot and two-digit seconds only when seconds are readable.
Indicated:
7.02
